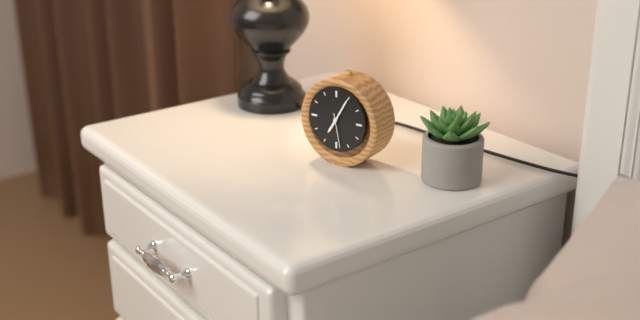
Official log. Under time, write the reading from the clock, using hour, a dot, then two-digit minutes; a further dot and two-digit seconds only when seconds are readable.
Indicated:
7.05
